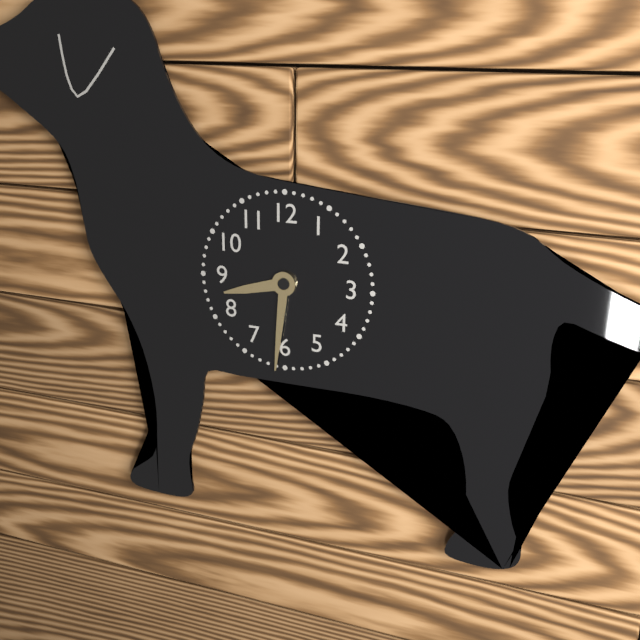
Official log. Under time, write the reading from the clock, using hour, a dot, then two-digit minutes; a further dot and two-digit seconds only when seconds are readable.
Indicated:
8.31
